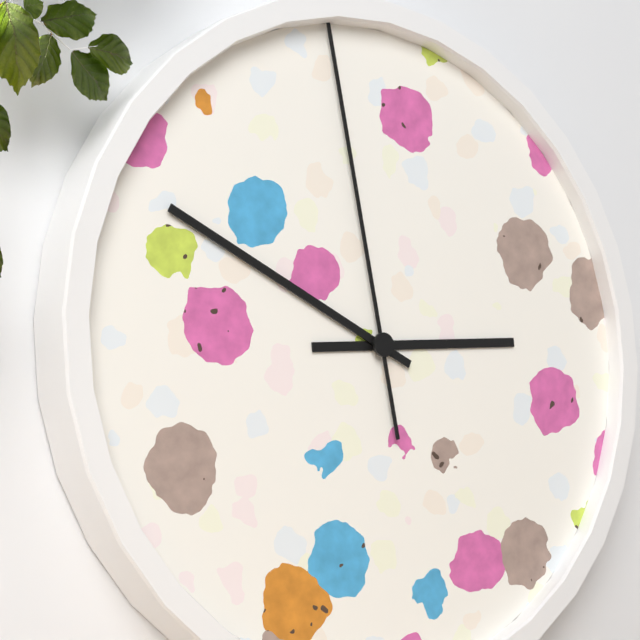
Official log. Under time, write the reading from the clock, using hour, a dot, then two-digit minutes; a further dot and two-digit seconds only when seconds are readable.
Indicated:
2.49.58
